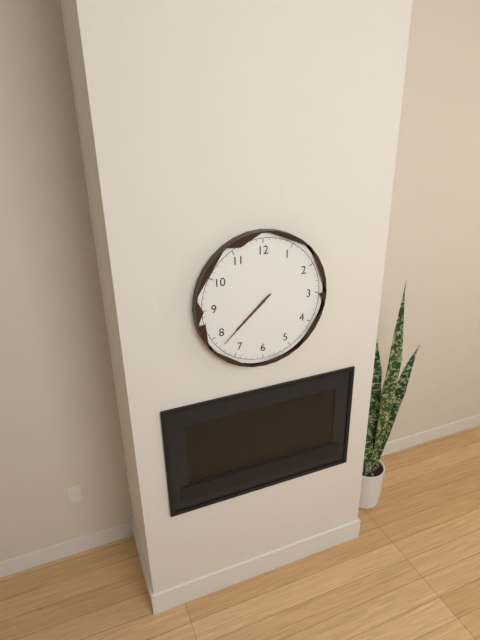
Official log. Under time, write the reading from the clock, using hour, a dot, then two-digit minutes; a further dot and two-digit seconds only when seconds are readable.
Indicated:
7.38
